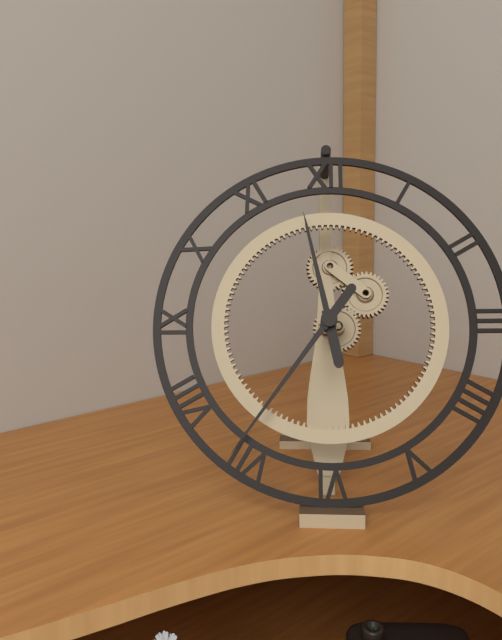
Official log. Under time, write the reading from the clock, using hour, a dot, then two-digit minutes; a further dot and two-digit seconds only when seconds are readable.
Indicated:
11.36
